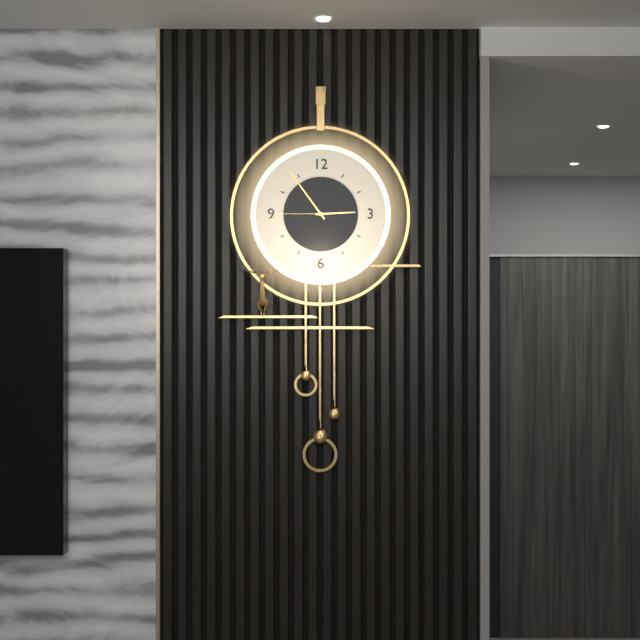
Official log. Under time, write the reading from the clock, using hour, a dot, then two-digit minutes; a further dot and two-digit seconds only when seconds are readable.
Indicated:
2.54.45
